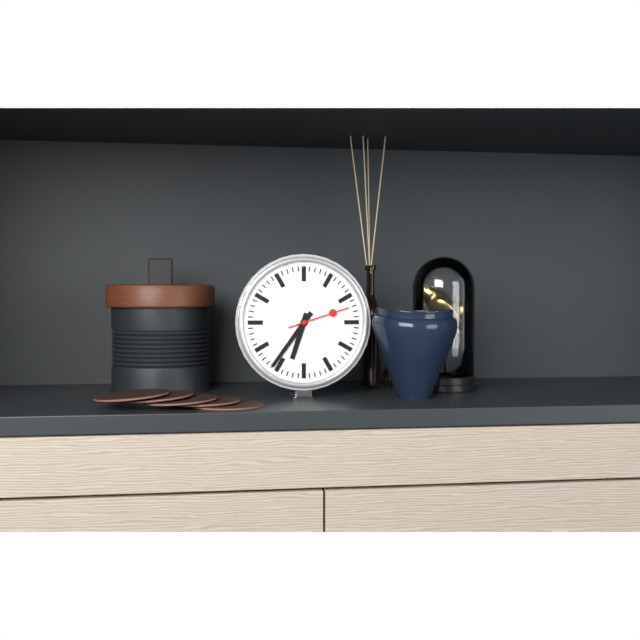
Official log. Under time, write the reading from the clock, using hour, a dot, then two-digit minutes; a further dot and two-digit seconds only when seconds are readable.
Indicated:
6.36.12
